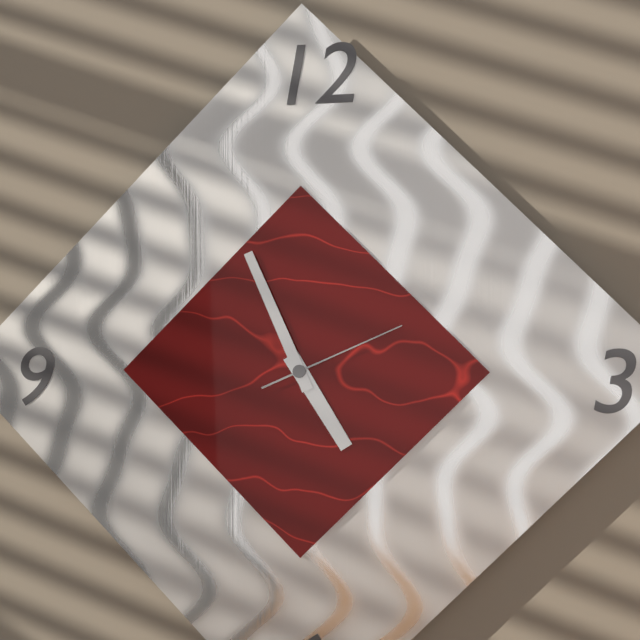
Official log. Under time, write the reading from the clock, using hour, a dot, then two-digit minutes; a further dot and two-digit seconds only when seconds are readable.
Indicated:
4.56.11
